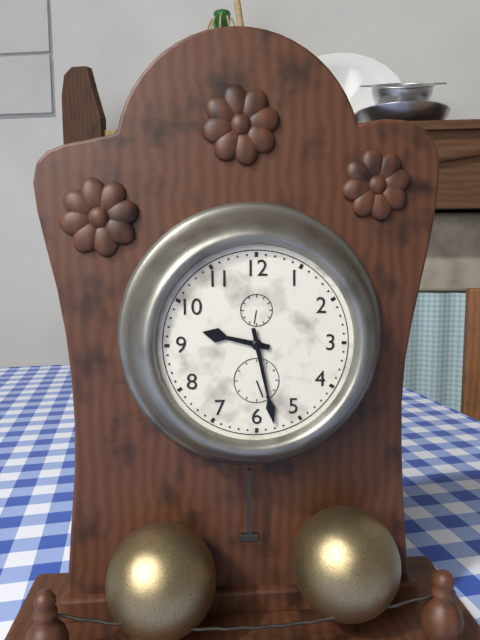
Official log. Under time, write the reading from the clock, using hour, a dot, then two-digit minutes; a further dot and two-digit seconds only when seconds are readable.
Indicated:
9.28
